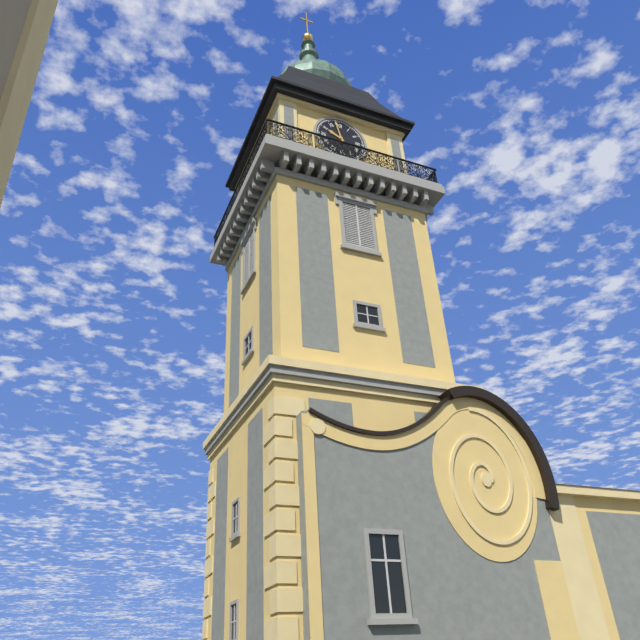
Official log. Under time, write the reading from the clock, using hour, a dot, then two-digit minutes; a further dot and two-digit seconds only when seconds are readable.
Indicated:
9.58
